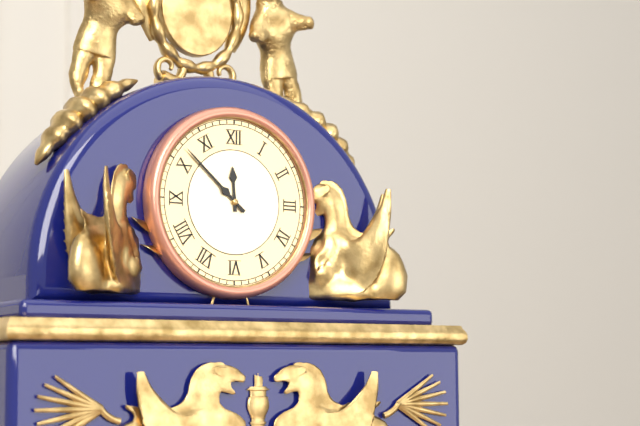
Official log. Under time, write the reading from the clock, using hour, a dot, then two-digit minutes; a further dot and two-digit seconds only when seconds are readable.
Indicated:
11.52
